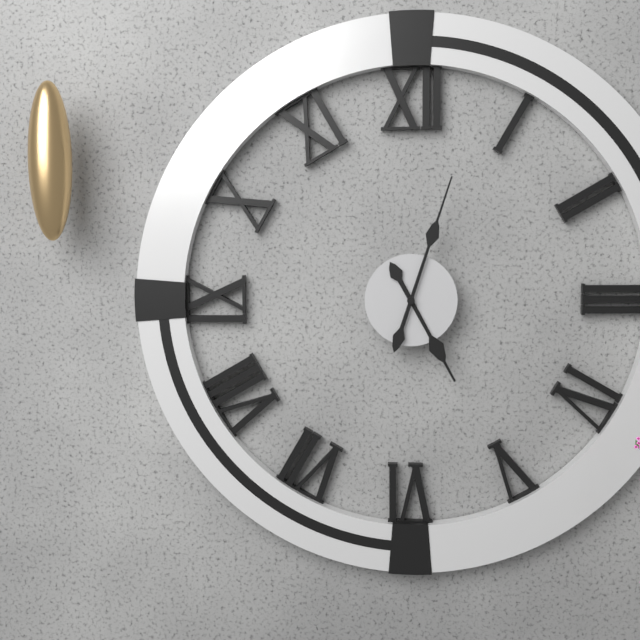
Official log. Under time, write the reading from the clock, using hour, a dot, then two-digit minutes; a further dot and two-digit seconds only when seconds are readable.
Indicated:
5.03
